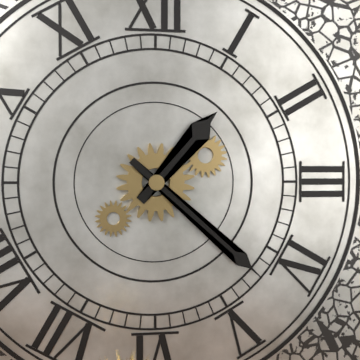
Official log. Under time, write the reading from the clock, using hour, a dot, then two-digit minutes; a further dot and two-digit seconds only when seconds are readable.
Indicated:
1.22
